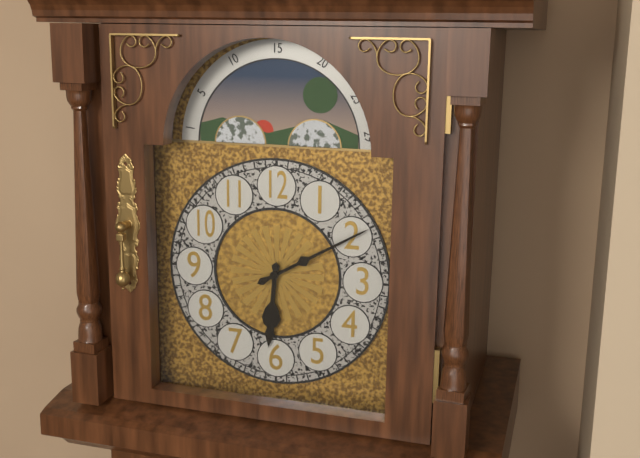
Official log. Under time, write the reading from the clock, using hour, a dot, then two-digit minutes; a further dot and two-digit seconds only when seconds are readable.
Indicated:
6.10
